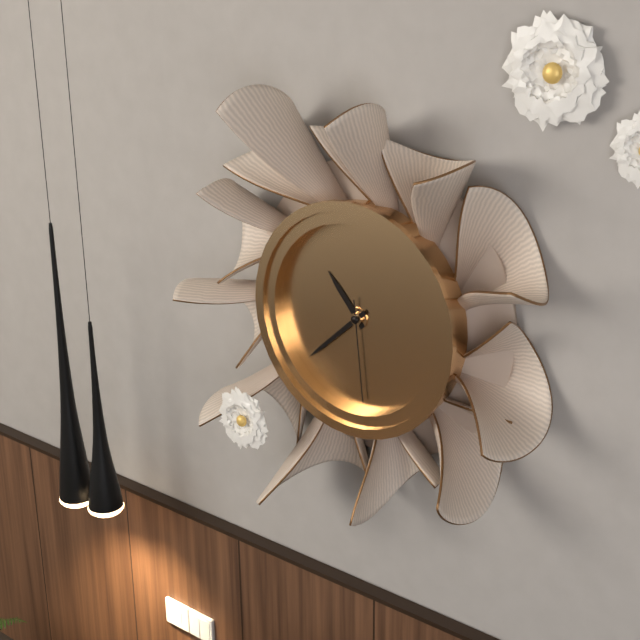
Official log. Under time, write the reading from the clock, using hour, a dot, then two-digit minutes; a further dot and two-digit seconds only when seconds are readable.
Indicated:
10.38.29
